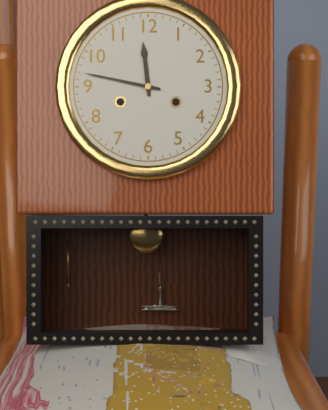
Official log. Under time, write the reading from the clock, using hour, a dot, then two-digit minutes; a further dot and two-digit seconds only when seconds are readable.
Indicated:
11.47
